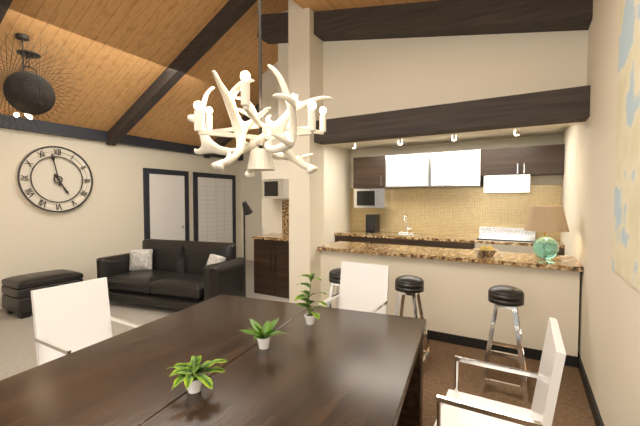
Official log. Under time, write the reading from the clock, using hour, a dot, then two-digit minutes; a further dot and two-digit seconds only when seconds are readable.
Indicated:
4.58
